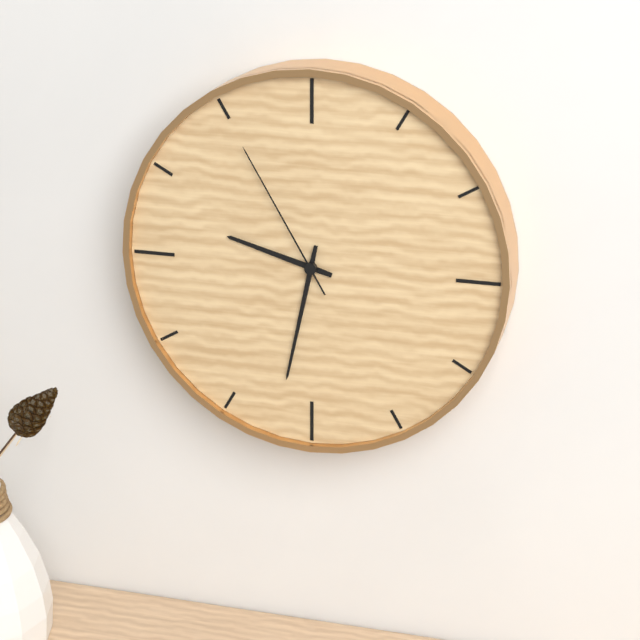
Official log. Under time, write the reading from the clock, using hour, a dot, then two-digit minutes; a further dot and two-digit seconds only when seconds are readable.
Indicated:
9.32.55
